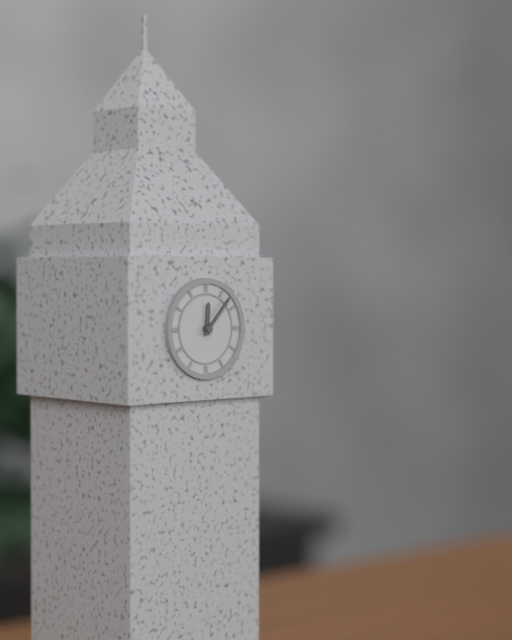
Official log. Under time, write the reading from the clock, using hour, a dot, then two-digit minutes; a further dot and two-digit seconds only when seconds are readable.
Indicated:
12.07
